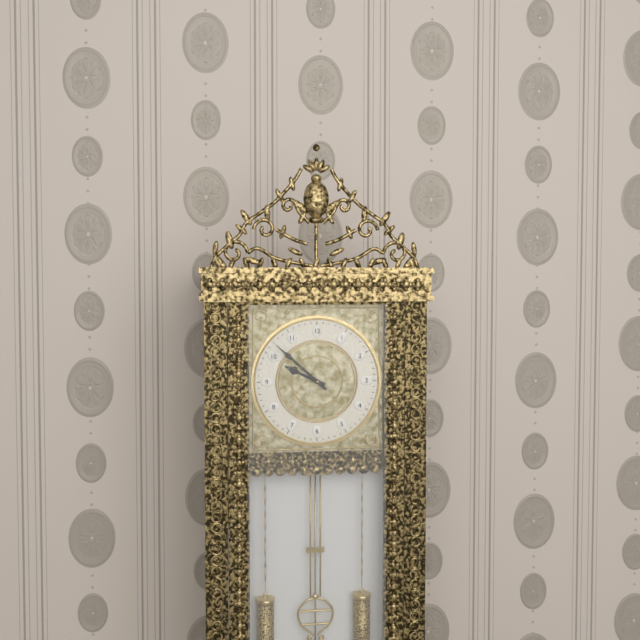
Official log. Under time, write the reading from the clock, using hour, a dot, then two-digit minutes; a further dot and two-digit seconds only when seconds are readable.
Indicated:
9.52
